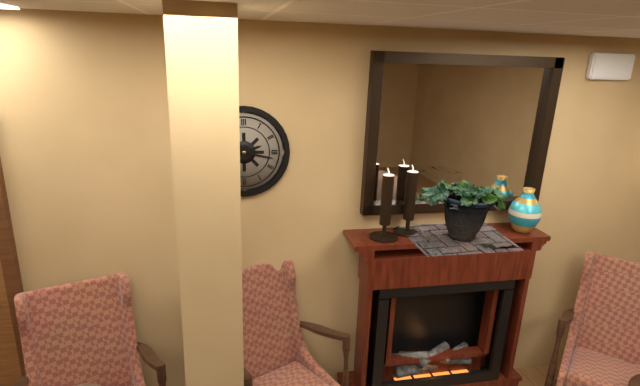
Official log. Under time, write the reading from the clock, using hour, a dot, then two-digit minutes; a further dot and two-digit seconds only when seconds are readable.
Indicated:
2.17
